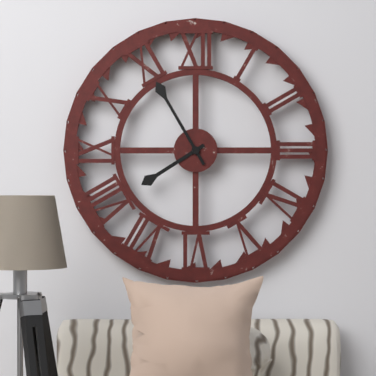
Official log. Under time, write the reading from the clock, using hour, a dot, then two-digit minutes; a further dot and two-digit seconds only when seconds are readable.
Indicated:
7.55
